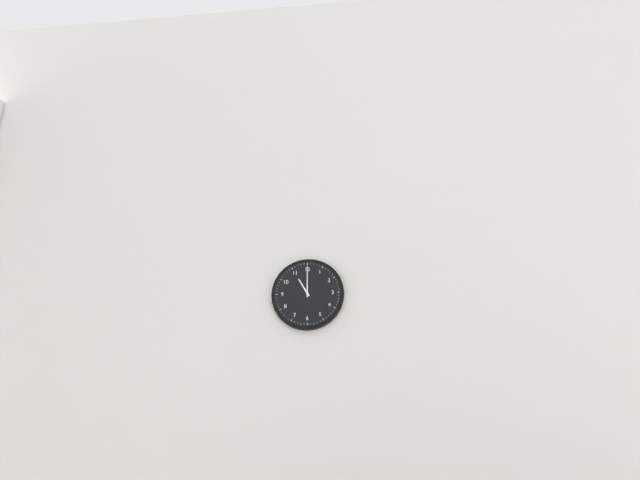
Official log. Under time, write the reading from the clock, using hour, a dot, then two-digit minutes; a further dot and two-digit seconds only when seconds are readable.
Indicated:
11.00
